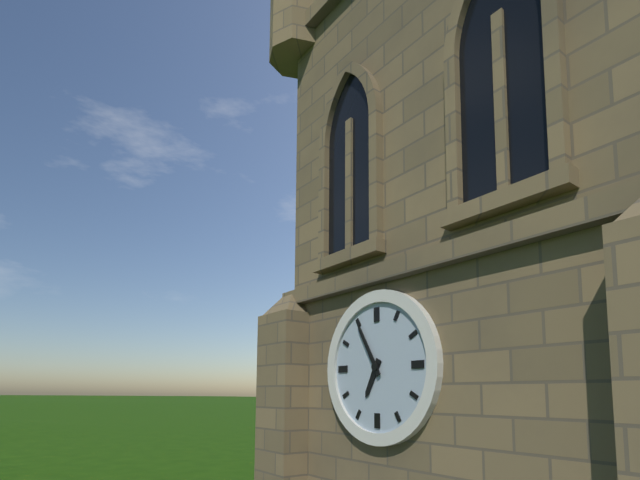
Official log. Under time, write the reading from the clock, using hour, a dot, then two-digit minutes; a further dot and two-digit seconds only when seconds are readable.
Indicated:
6.55
